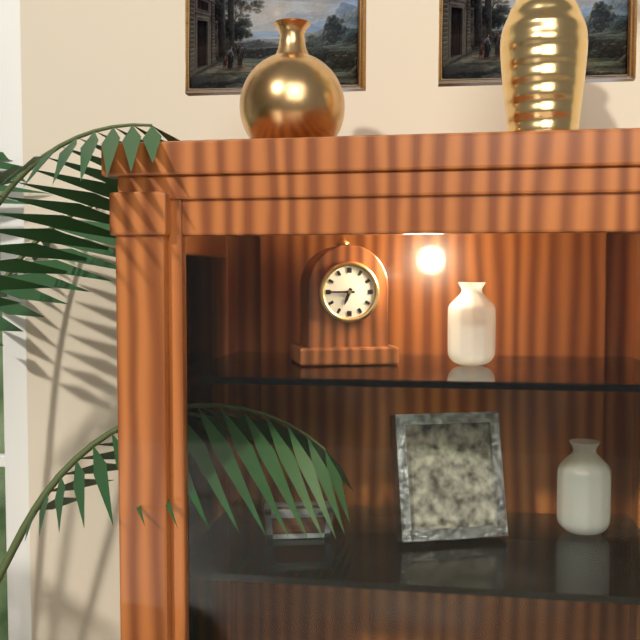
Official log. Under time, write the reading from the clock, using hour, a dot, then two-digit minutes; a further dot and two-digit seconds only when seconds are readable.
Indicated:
6.45
